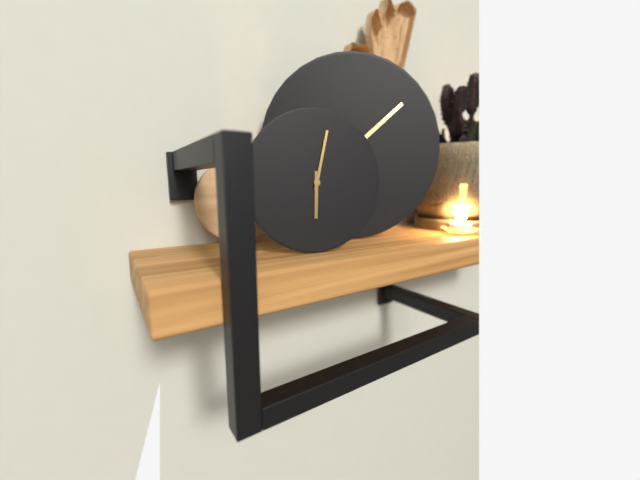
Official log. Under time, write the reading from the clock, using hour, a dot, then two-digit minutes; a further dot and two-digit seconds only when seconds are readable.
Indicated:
6.02
